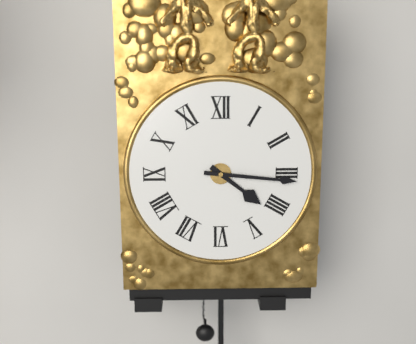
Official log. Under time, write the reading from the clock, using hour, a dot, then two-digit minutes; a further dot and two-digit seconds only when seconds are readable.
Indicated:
4.16
